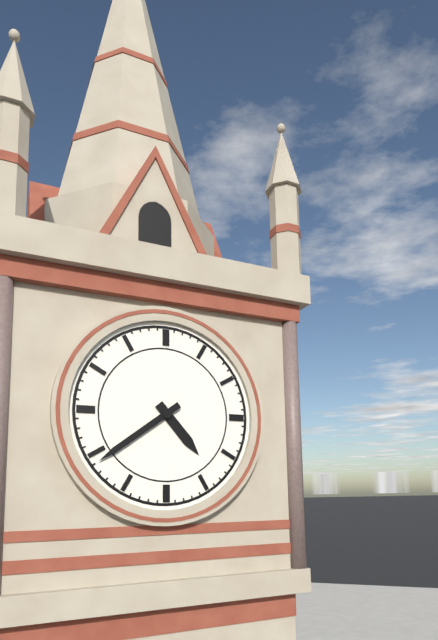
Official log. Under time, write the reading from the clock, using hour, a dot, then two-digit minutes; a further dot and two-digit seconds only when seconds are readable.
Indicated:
4.39
